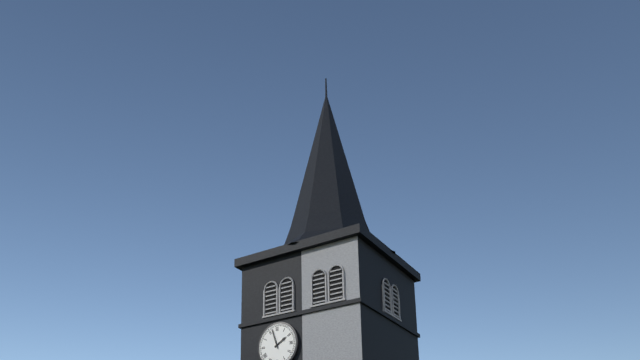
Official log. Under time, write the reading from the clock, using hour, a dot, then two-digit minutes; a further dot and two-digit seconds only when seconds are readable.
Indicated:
1.57
